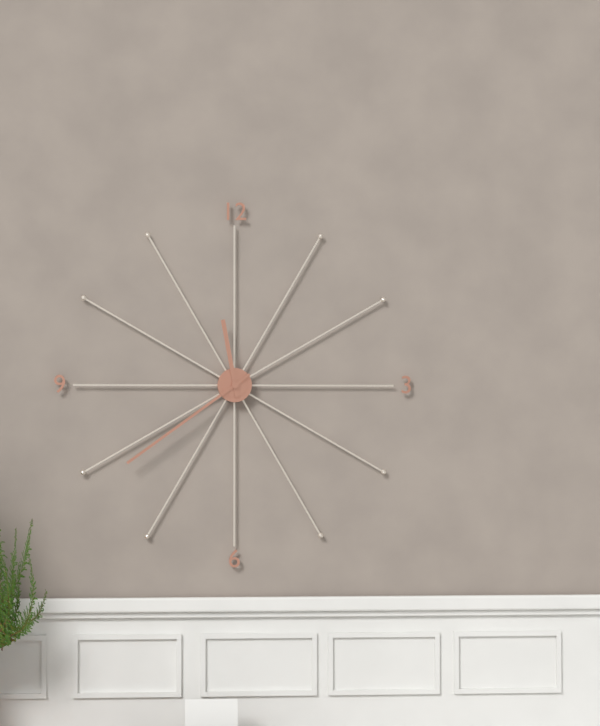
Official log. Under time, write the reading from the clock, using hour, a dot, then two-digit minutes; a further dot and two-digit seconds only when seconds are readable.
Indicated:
11.39
